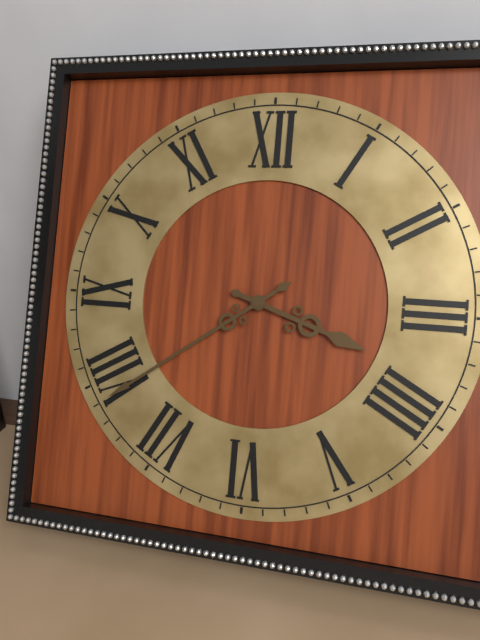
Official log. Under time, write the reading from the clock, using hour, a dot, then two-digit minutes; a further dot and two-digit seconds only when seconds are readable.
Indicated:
3.39
